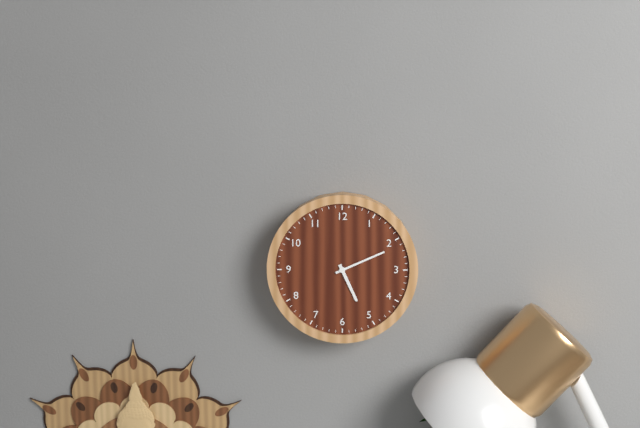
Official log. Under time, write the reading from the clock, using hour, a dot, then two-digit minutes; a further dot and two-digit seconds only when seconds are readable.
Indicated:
5.11
